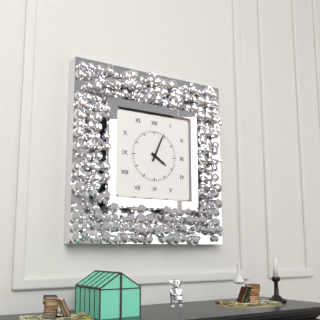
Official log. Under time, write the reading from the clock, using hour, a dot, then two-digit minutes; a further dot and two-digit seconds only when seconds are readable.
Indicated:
4.04
